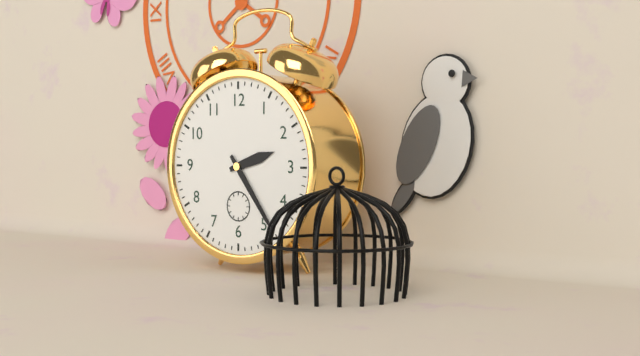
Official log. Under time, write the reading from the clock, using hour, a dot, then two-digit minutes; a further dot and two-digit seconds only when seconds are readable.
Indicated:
2.24
